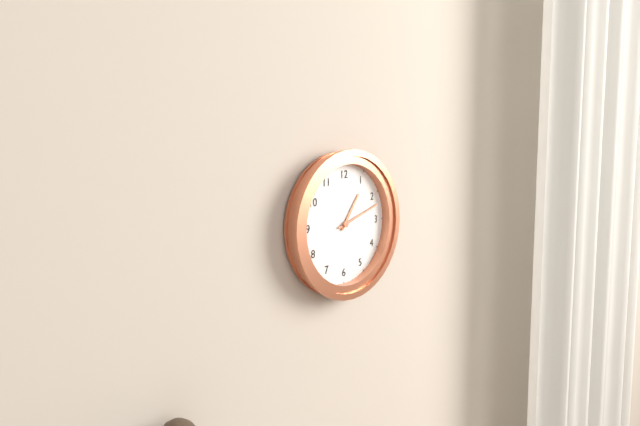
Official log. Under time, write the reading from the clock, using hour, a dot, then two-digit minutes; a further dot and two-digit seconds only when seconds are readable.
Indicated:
1.12
